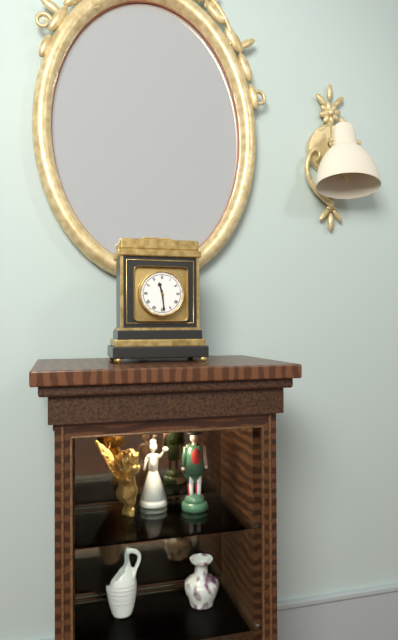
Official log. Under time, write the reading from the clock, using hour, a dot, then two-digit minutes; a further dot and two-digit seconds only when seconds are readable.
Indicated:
11.29
